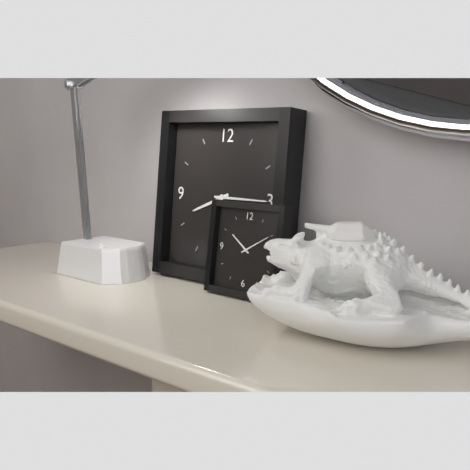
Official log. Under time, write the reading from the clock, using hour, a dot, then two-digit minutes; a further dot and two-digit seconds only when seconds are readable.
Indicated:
8.15
